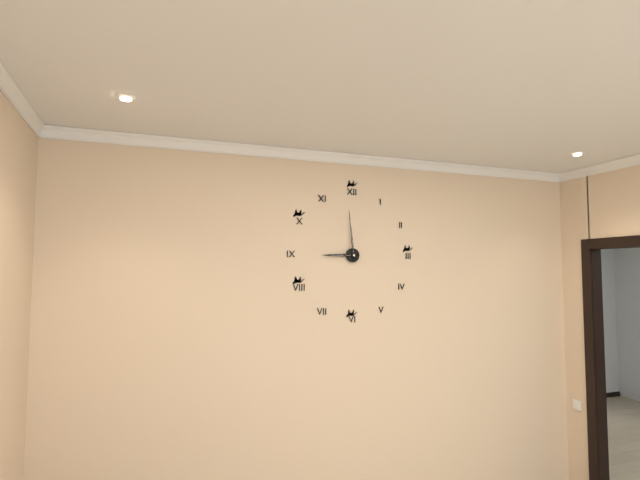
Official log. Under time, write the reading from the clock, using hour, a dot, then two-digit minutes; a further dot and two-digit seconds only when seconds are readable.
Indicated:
8.59
